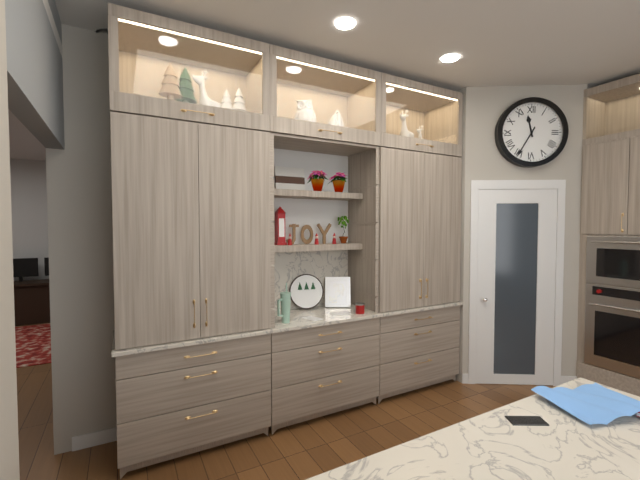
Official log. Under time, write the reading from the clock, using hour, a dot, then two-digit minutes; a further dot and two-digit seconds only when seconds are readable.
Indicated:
11.35
